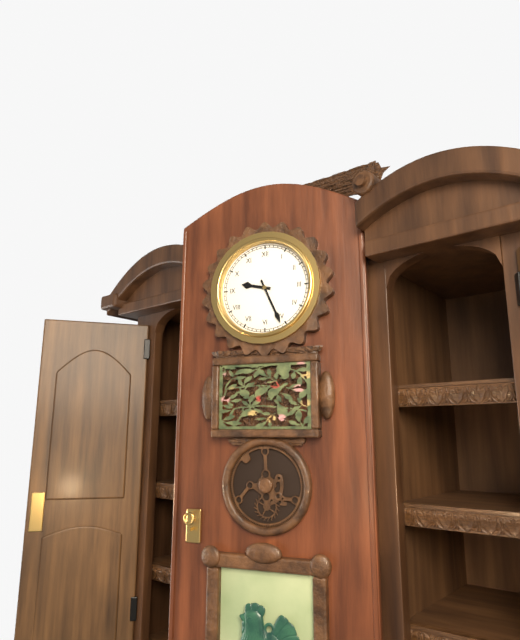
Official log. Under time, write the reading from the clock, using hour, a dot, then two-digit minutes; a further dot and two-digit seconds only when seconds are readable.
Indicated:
9.26
